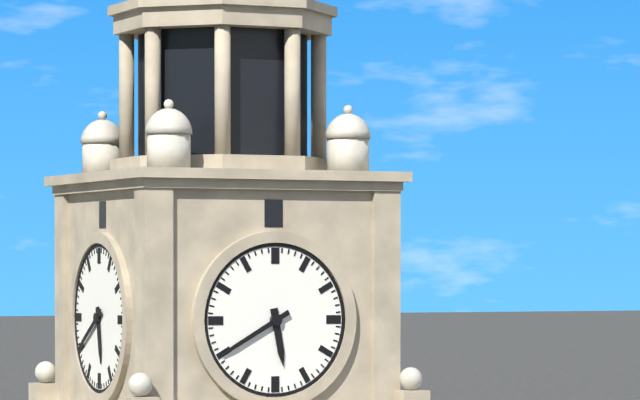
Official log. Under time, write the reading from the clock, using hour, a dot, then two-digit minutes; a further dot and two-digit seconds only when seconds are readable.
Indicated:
5.40
